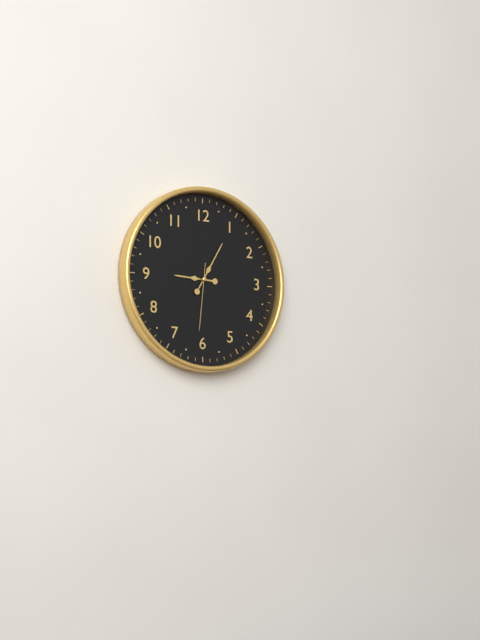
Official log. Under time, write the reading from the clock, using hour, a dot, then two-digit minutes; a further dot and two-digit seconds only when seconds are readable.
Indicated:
9.05.31
